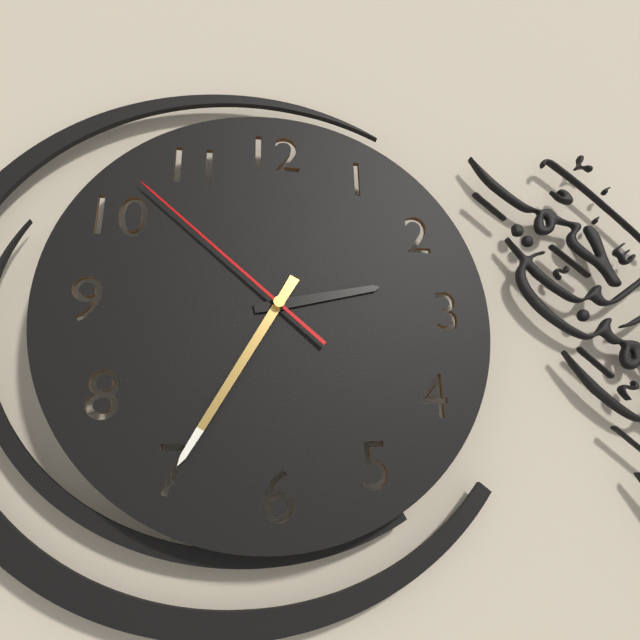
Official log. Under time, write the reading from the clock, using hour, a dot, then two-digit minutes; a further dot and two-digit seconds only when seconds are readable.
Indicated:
2.35.52
